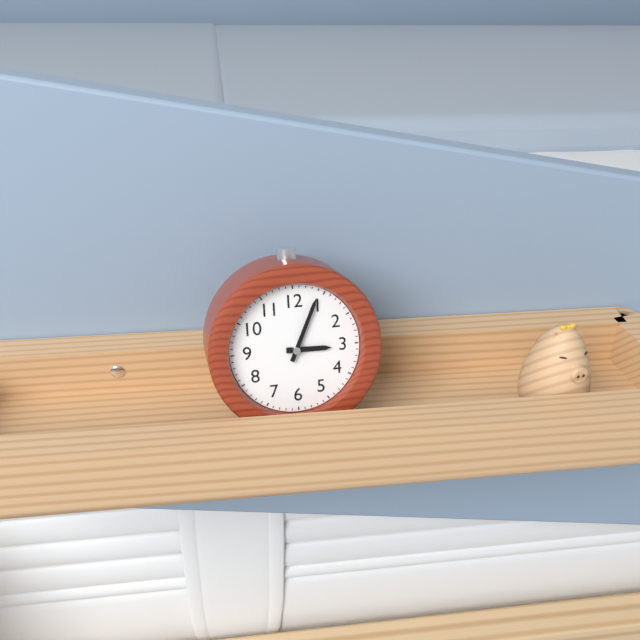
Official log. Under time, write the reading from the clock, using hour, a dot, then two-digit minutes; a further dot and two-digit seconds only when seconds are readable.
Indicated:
3.04
